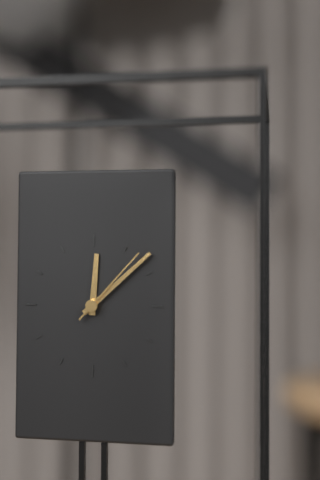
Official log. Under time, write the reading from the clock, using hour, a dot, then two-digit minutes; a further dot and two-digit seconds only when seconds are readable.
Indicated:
12.08.07
